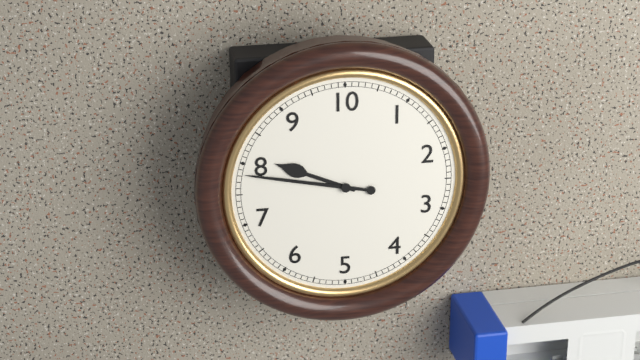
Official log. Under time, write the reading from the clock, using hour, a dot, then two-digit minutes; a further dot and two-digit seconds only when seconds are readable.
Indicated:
9.47
